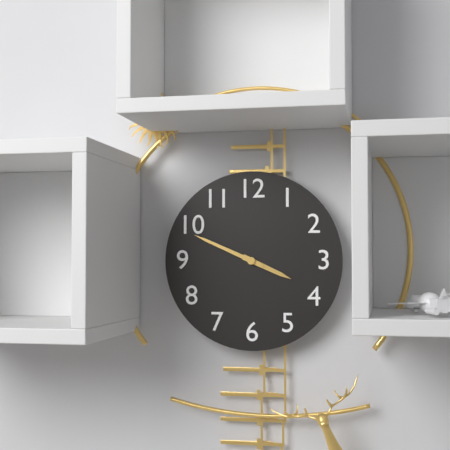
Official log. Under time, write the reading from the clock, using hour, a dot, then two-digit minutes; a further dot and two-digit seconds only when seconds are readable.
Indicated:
3.49
